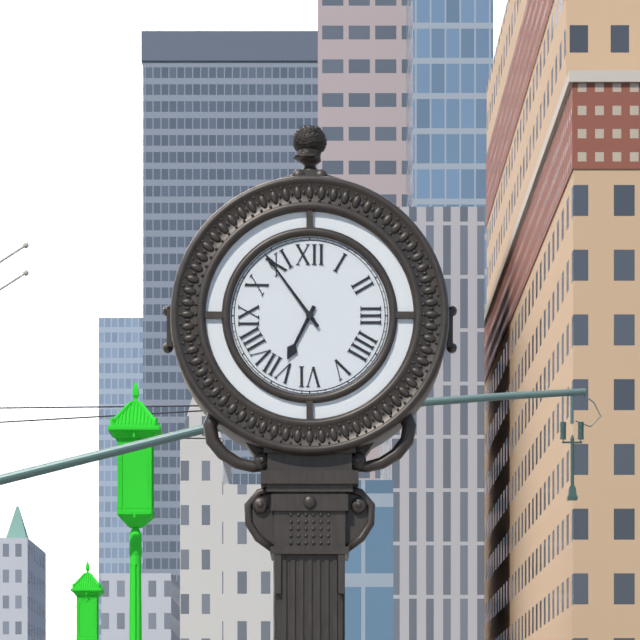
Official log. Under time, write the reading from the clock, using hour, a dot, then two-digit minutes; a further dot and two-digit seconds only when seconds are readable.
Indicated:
6.54
